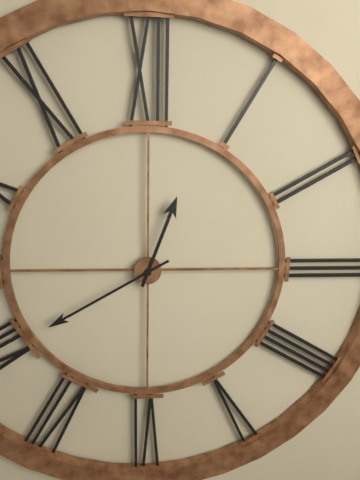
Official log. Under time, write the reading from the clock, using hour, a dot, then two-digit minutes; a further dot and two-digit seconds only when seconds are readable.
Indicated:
12.40
